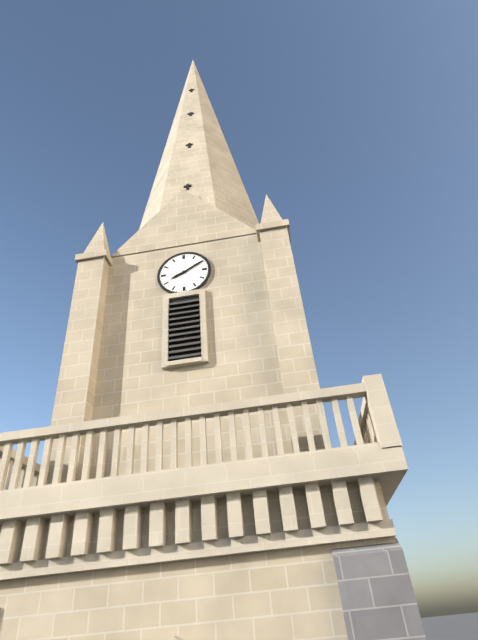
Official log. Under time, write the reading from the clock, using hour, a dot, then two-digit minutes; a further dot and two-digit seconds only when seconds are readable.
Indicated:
8.10
